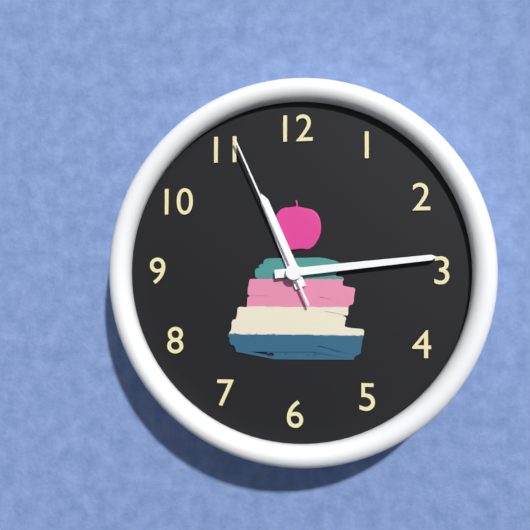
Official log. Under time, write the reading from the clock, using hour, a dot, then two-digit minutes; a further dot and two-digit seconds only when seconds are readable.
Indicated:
11.14.56
